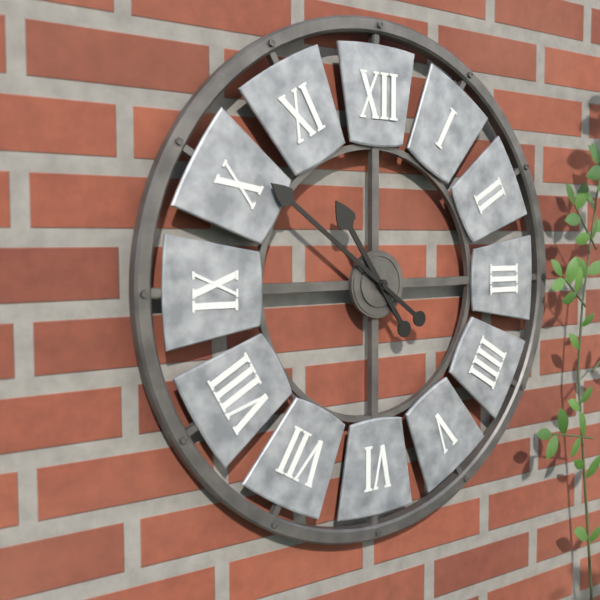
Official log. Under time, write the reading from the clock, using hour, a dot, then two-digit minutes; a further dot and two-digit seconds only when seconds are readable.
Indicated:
10.51
